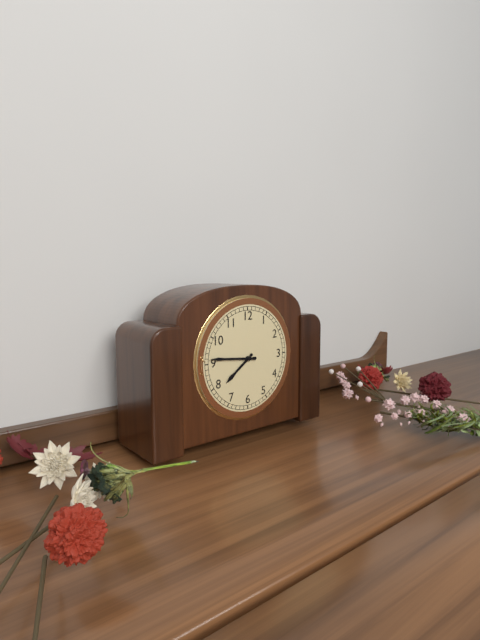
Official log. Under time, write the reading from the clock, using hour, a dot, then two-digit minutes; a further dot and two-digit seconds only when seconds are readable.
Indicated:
7.46
